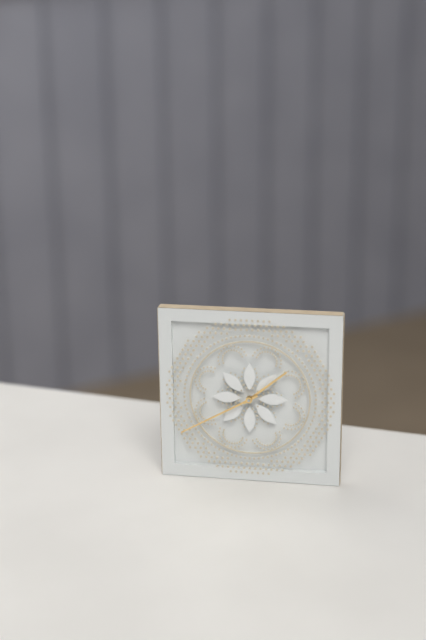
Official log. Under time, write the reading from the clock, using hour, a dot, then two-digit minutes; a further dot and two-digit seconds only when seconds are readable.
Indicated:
1.40
